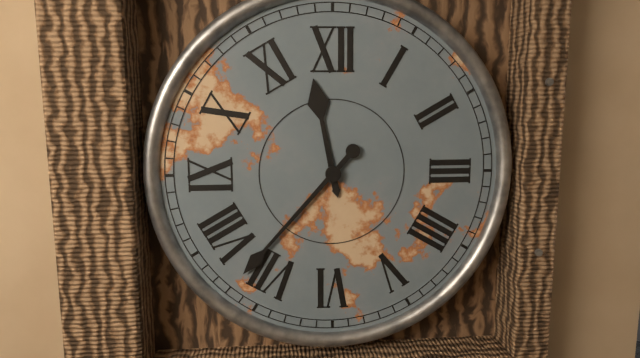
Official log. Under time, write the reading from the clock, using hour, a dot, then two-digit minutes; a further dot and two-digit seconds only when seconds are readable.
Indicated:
11.37
